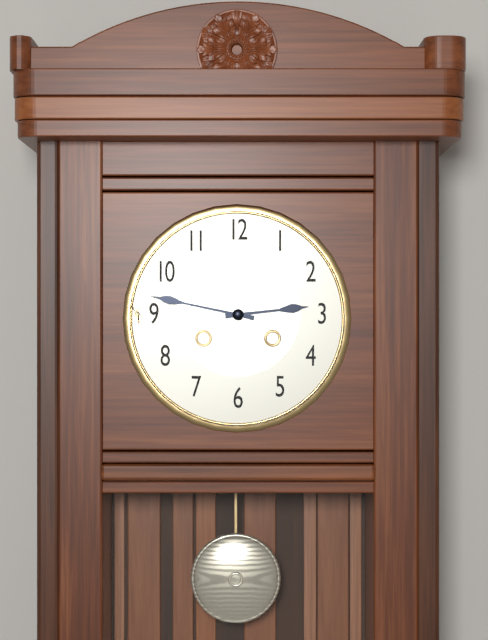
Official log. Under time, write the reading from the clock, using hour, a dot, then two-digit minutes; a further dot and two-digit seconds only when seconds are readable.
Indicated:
2.47
